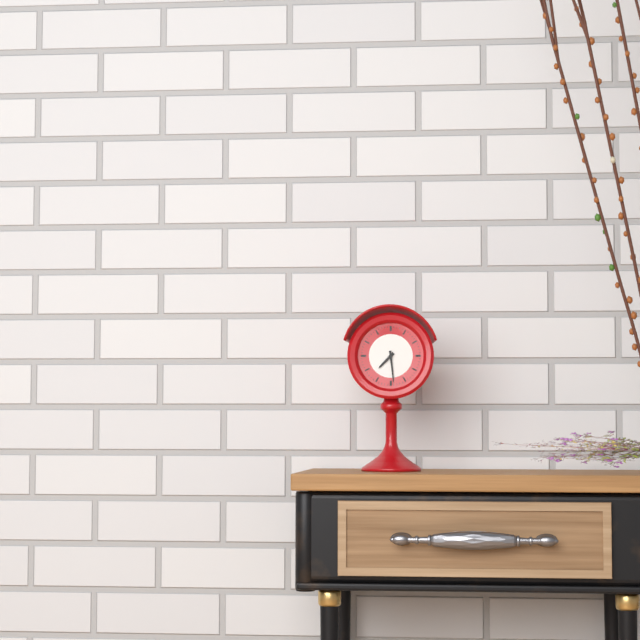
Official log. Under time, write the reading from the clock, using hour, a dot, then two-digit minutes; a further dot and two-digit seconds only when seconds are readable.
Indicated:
7.29
